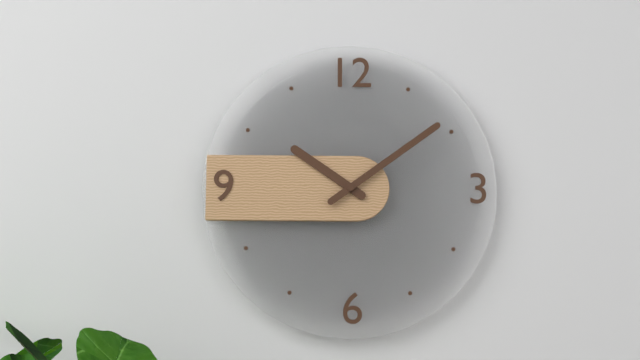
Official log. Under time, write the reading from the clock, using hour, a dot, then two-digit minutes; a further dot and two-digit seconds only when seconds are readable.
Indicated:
10.09
